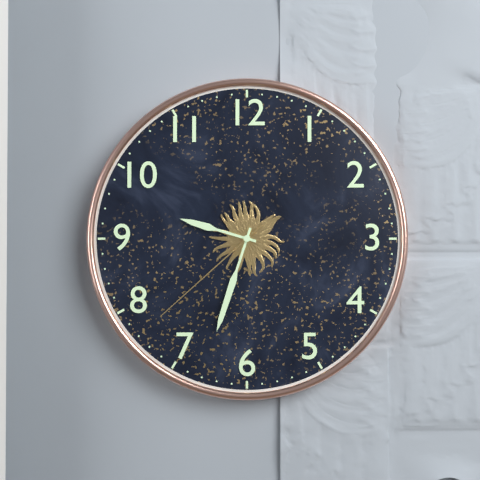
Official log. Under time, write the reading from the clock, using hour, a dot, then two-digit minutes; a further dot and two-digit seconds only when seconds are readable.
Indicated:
9.33.38
